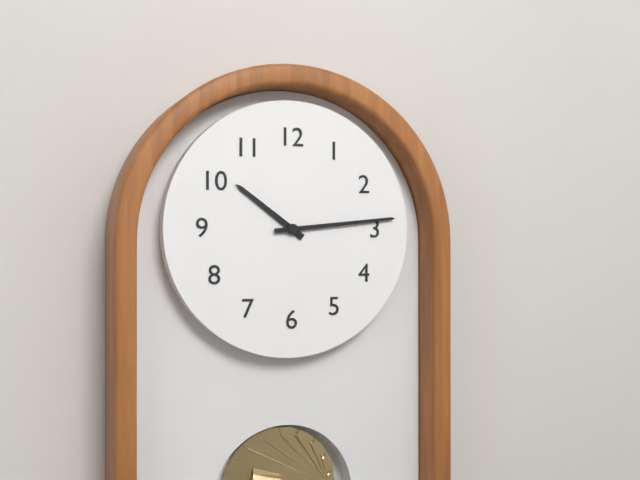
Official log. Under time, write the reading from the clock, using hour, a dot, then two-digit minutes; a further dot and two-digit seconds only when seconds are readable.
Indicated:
10.14
